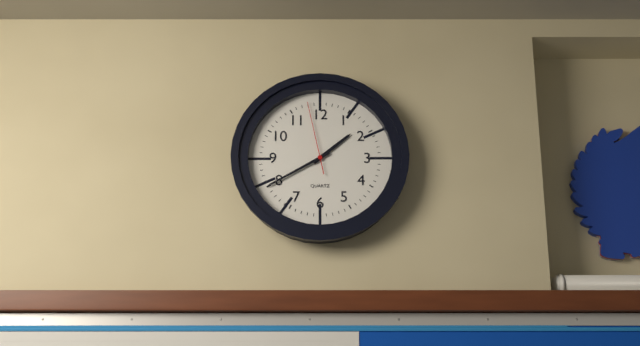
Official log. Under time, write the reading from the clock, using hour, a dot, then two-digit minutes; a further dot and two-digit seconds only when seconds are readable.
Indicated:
1.40.58
